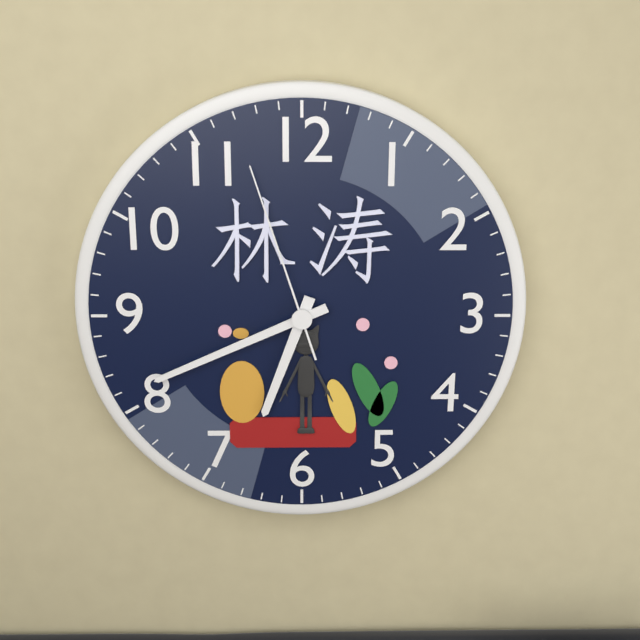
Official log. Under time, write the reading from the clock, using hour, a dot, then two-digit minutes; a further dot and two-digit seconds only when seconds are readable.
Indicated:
6.41.57
